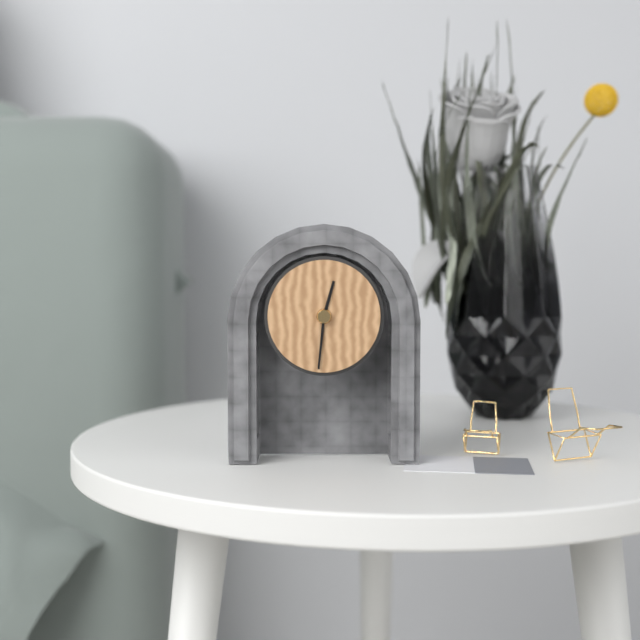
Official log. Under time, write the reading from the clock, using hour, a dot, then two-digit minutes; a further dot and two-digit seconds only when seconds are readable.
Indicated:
12.31
